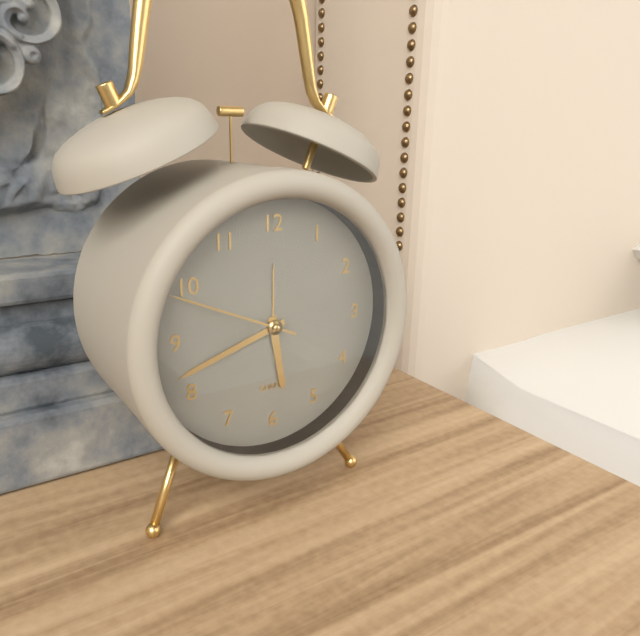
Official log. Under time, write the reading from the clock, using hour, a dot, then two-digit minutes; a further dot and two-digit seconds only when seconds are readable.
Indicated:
5.42.49
